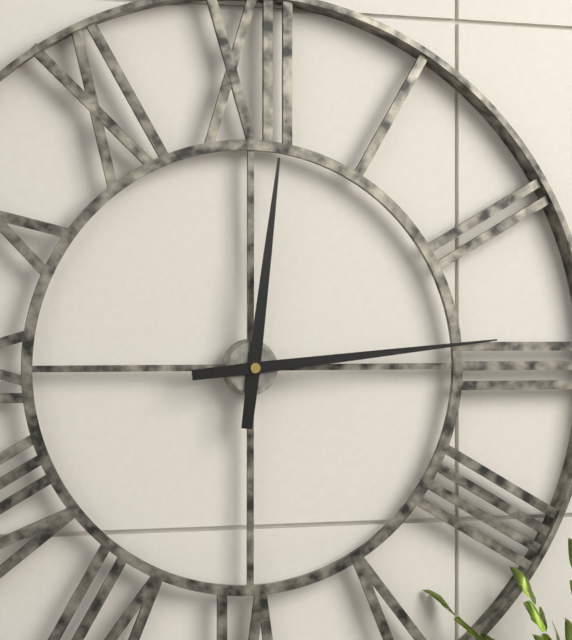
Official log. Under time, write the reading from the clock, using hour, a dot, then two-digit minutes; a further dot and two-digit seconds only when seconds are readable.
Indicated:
12.14
